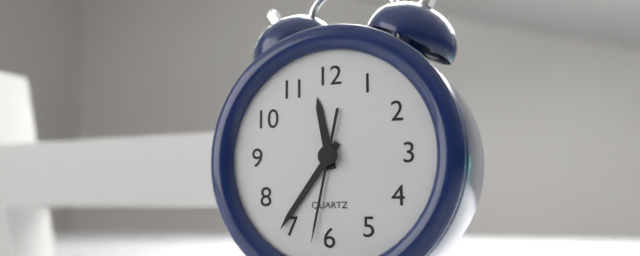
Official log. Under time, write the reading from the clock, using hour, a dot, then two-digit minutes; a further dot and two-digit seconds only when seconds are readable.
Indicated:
11.36.32
